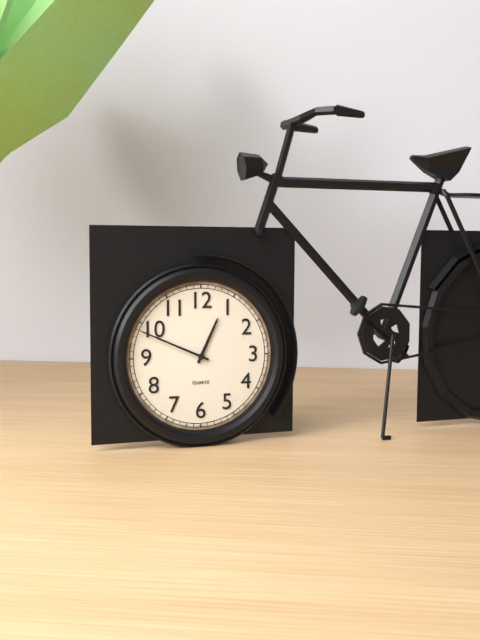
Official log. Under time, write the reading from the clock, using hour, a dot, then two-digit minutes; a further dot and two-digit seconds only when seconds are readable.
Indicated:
12.49
